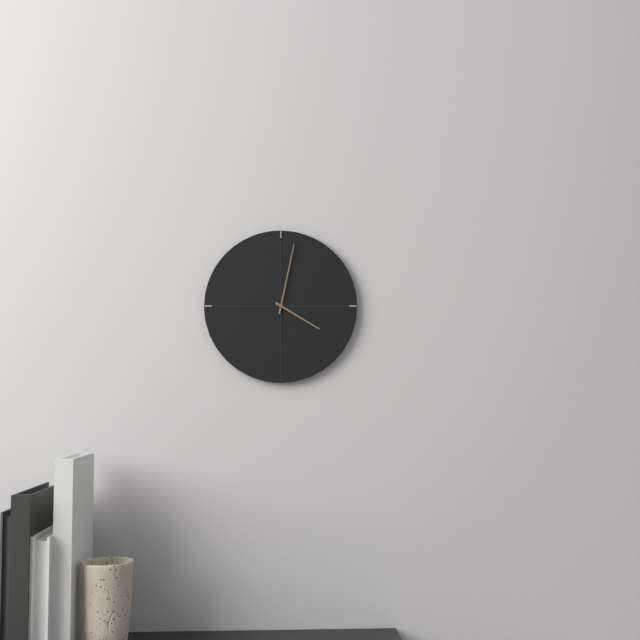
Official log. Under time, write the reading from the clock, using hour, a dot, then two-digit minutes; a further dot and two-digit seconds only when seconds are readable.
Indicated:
4.02
